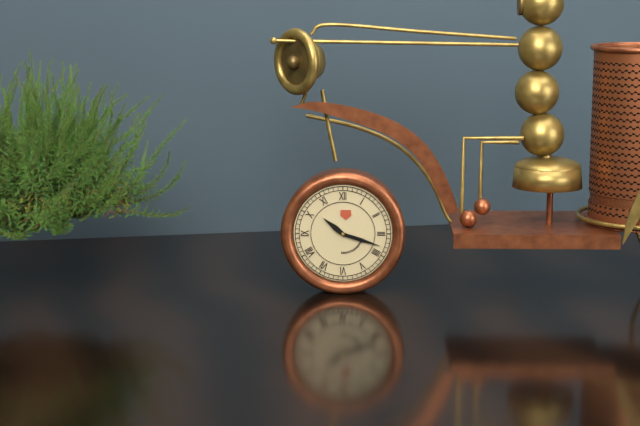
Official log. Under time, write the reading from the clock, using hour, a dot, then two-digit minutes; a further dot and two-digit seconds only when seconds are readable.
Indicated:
10.18
